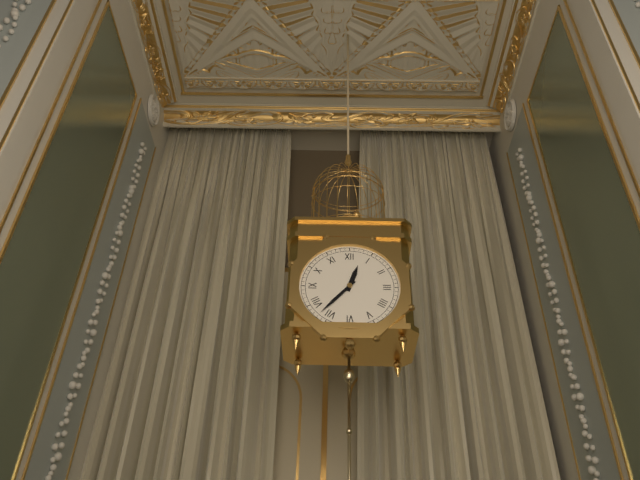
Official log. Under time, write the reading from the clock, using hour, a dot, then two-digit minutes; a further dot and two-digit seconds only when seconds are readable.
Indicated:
12.37
